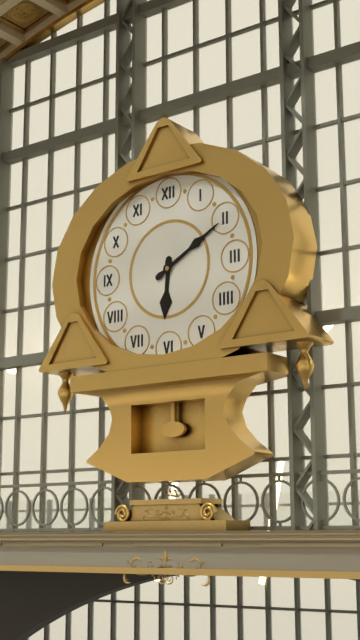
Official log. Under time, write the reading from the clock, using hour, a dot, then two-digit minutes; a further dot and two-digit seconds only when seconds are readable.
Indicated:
6.10
